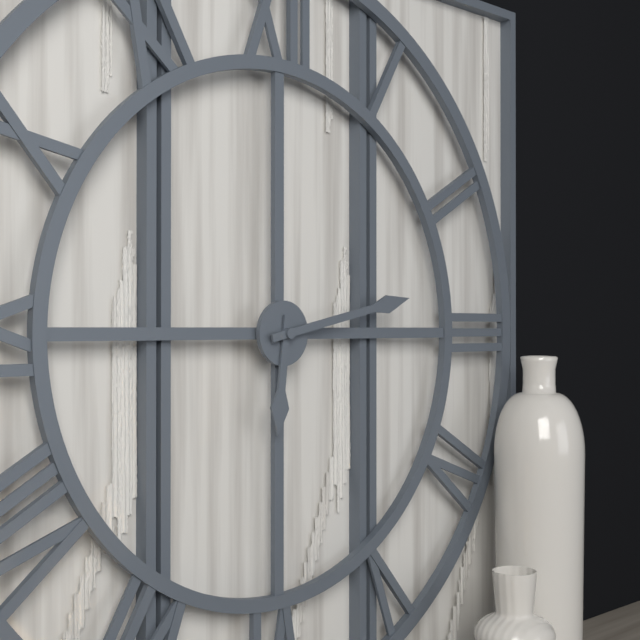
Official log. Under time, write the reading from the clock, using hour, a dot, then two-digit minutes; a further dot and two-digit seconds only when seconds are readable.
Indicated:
6.13
